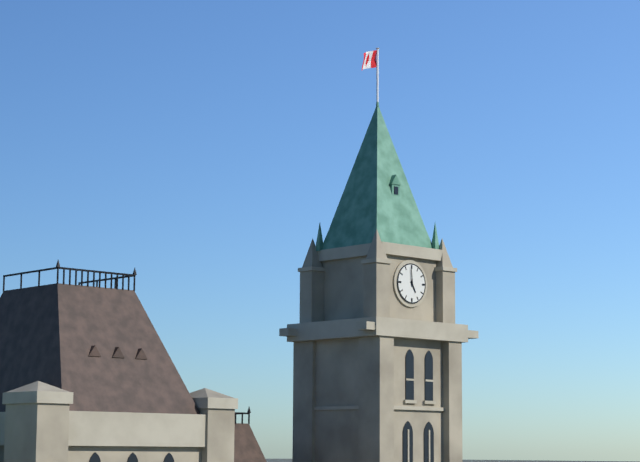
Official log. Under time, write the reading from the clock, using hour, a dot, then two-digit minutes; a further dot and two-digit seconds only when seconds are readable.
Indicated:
4.59
